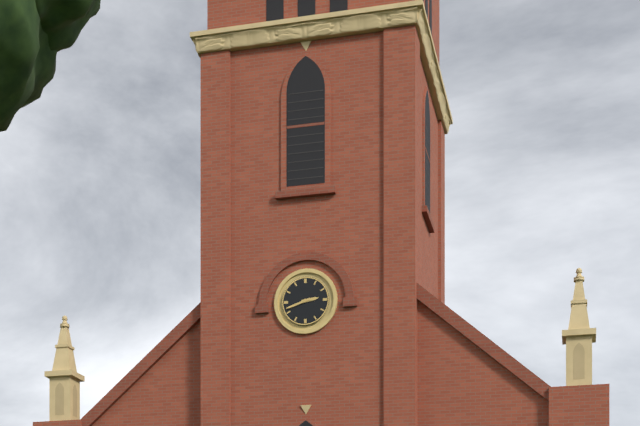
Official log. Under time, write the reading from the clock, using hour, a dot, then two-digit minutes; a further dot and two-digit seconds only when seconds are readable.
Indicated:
2.42
